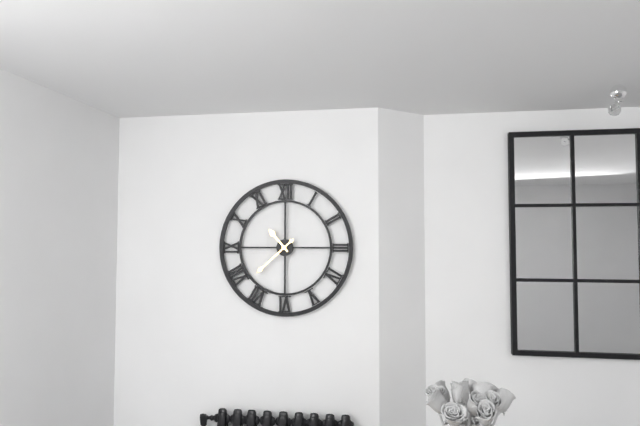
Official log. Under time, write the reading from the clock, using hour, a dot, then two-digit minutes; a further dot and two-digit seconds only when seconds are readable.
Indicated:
10.38
